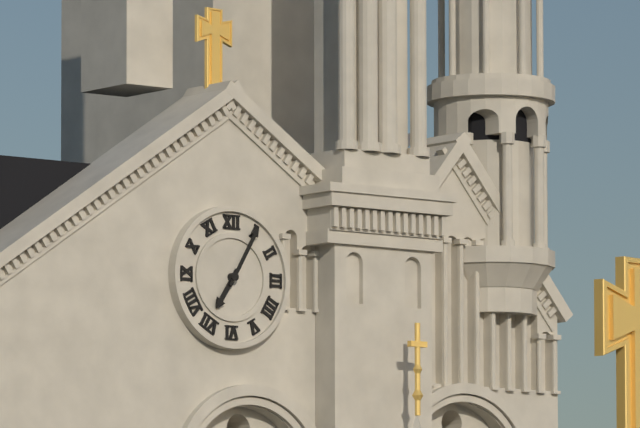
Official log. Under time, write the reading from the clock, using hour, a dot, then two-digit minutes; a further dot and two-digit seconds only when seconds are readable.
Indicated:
7.05
